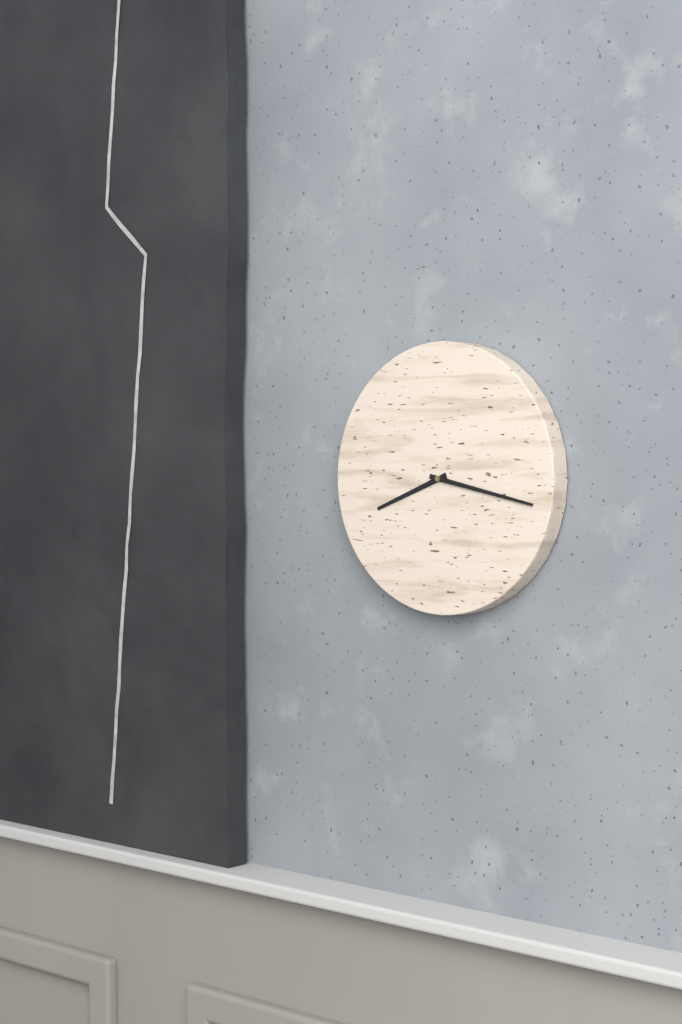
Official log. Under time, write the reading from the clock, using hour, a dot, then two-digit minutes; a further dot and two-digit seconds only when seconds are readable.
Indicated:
8.17
